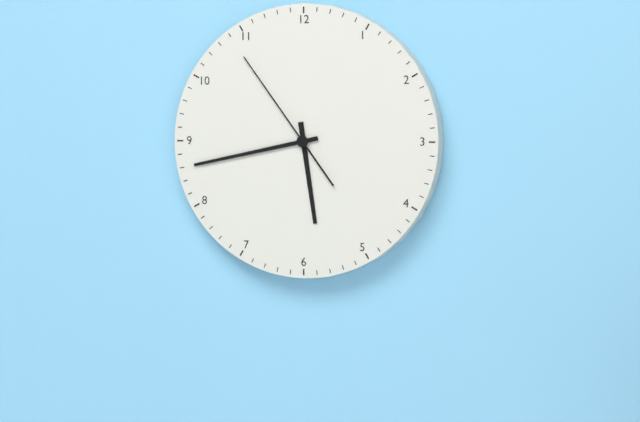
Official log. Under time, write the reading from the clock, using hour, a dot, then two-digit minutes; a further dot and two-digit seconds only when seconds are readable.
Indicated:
5.43.54
